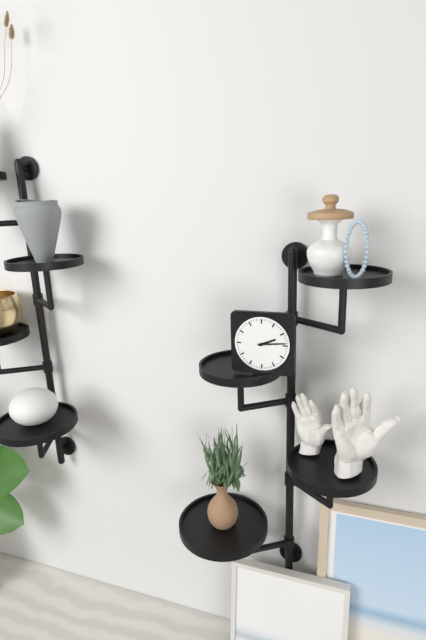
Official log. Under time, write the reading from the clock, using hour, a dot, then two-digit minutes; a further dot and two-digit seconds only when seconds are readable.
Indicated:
2.14
